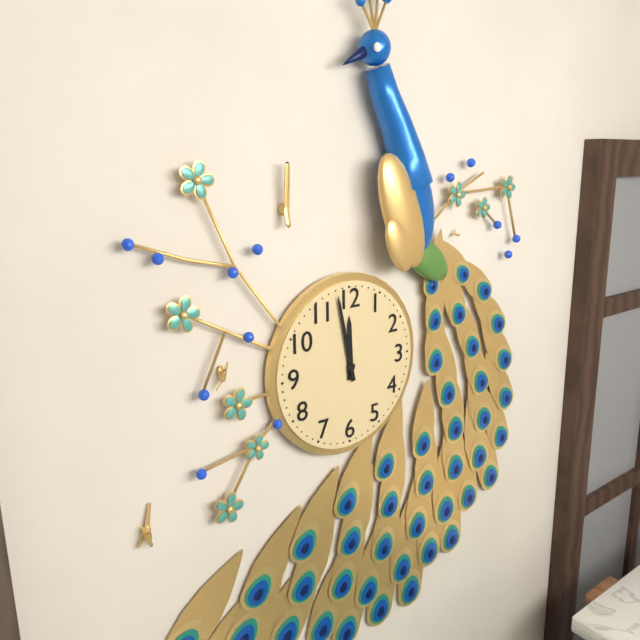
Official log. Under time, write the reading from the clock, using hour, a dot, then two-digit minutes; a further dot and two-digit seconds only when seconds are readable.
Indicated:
11.58
